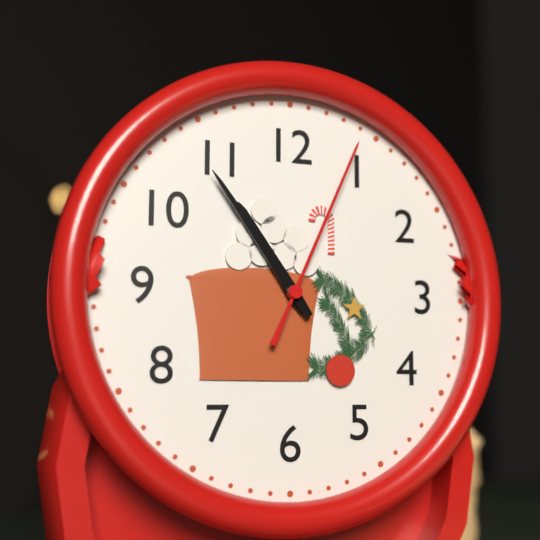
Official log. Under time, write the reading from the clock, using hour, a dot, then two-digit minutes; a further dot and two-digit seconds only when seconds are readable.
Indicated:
10.54.04
